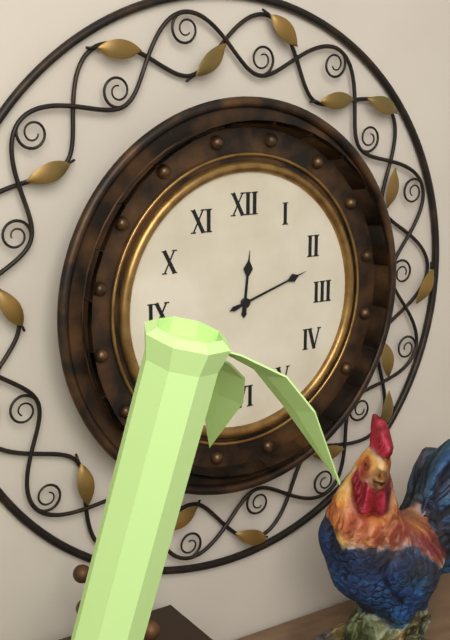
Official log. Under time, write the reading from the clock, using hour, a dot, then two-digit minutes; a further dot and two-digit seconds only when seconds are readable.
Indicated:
12.12
